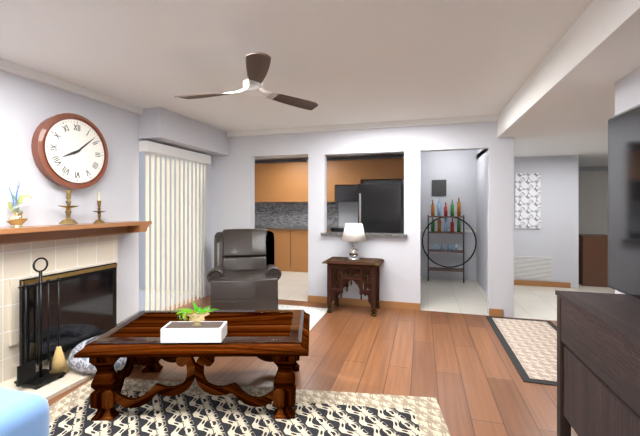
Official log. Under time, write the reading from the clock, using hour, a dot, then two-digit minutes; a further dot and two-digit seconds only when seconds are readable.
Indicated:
8.08
